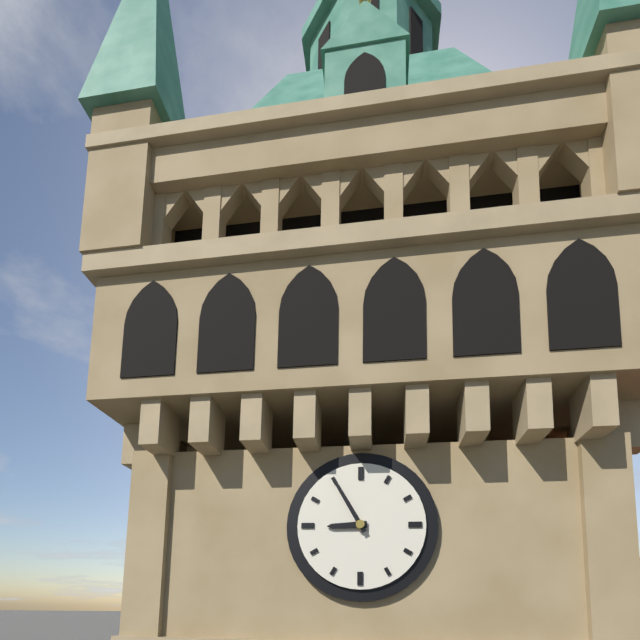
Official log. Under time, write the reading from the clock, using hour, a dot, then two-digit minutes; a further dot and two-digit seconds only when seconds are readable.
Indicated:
8.55
